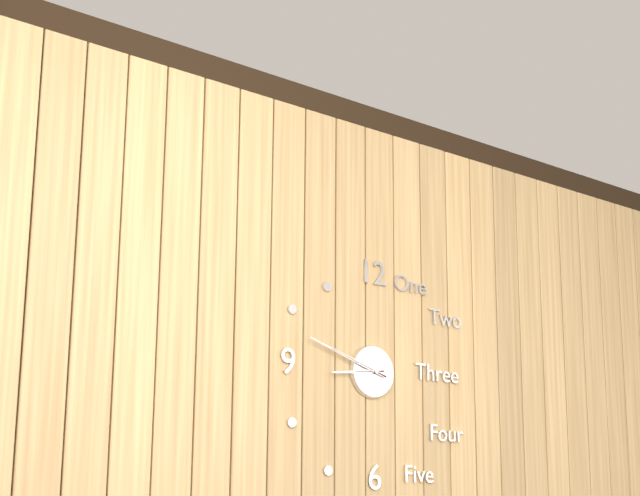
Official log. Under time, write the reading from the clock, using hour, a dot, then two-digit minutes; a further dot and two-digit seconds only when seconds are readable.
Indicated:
8.48
